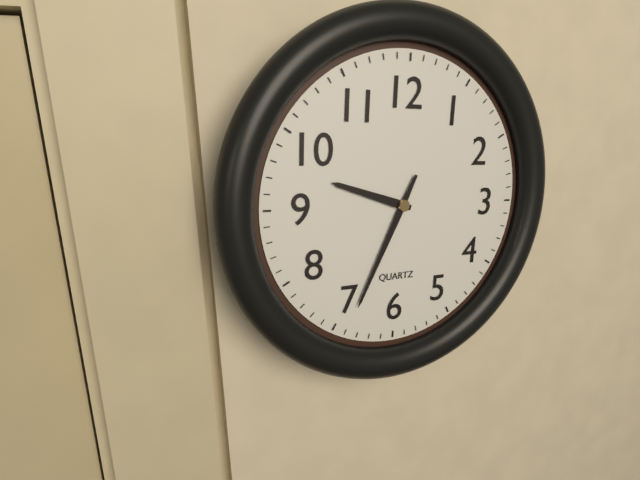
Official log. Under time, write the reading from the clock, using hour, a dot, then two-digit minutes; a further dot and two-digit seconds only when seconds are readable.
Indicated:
9.34
